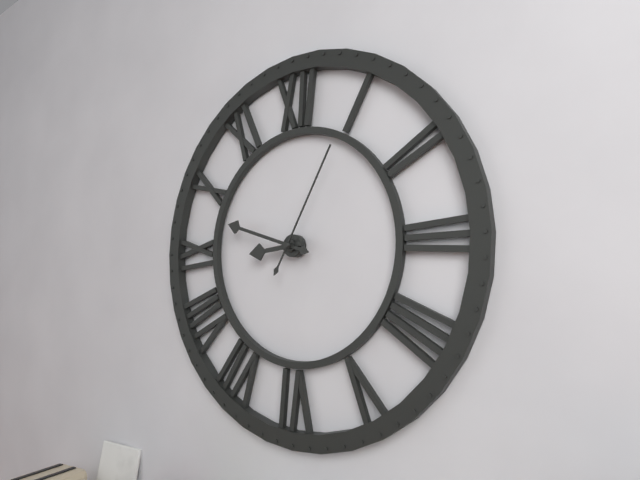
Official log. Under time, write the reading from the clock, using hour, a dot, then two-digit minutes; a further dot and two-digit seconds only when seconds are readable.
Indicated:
8.48.05
